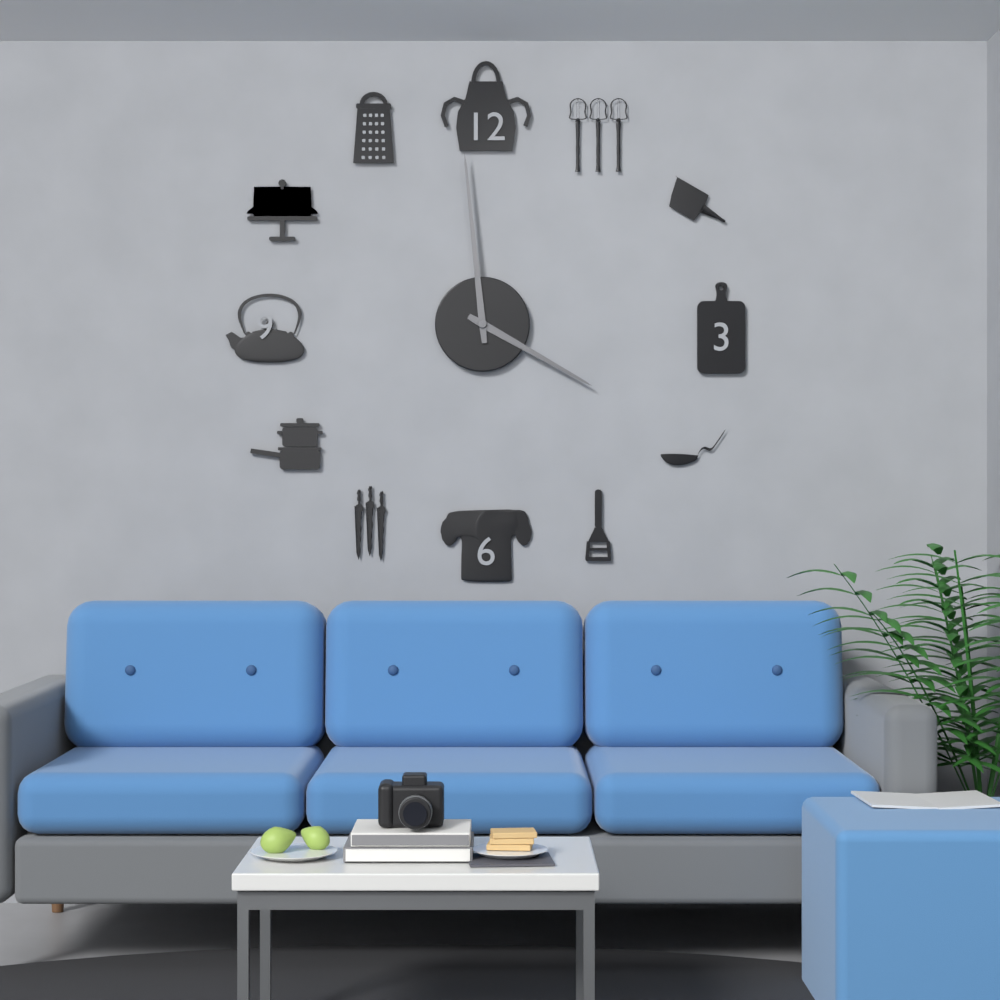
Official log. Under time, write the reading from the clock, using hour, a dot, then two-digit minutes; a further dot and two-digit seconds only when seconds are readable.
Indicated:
3.59
